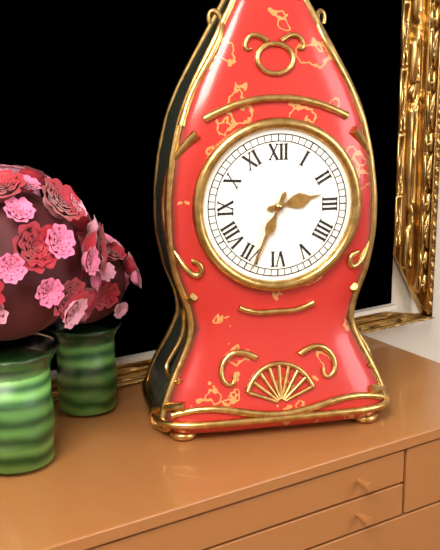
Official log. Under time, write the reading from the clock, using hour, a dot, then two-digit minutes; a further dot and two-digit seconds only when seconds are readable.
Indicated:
2.34
